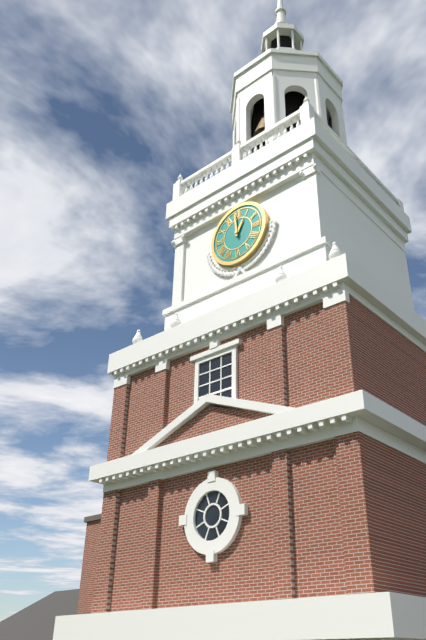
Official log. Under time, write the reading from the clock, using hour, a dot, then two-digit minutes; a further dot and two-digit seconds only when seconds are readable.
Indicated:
12.59
